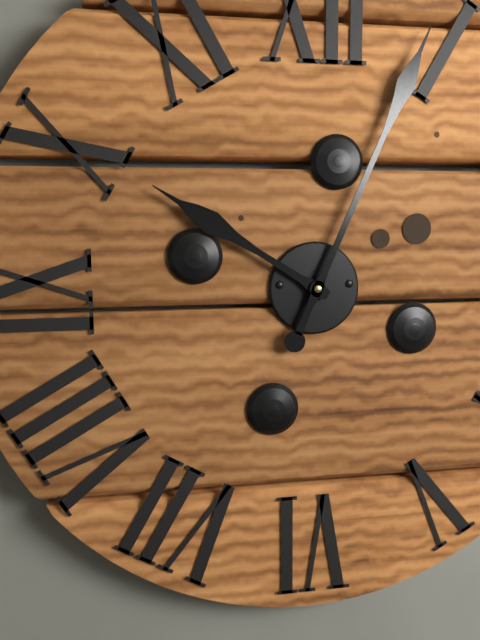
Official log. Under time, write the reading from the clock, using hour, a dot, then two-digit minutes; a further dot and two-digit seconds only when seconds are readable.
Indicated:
10.04
